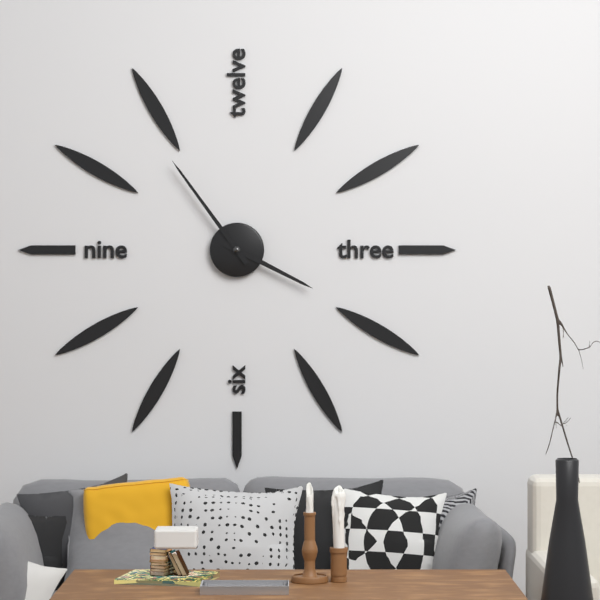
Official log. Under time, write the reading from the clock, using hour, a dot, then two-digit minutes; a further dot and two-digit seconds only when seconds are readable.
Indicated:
3.54
